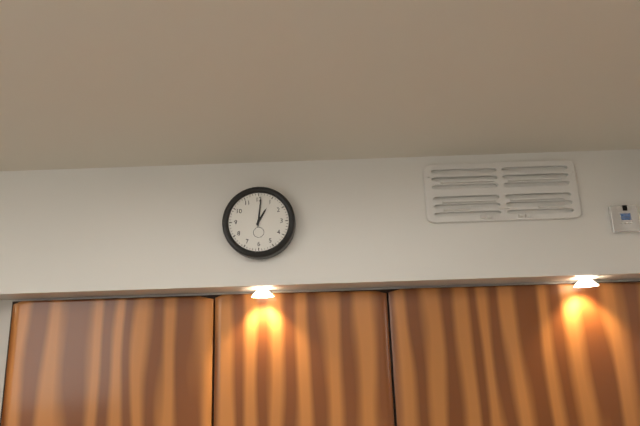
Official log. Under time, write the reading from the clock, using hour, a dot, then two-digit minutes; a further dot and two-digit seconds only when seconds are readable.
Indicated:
1.01
